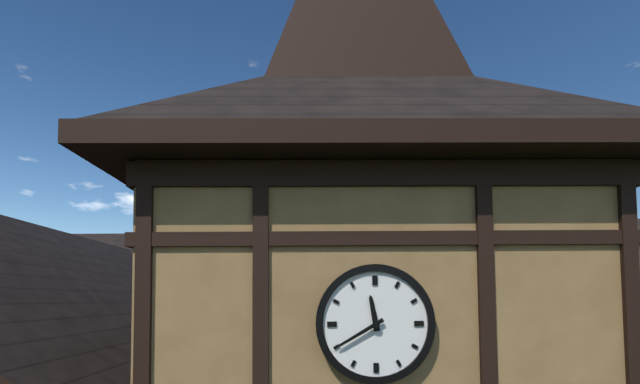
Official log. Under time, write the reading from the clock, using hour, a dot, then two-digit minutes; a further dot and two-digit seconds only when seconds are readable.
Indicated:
11.40
